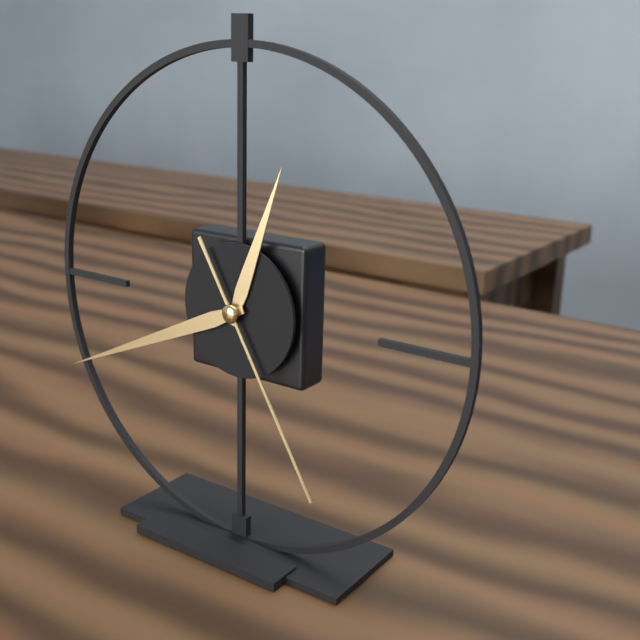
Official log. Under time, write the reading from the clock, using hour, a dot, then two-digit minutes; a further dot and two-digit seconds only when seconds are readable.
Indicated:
12.41.25
